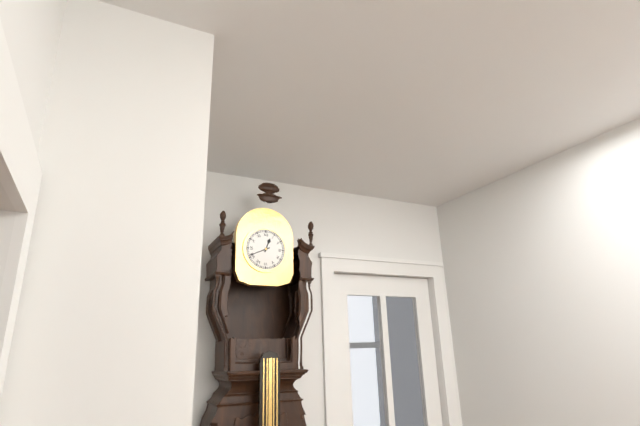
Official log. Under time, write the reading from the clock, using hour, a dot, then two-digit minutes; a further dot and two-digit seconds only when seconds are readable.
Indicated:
12.41
